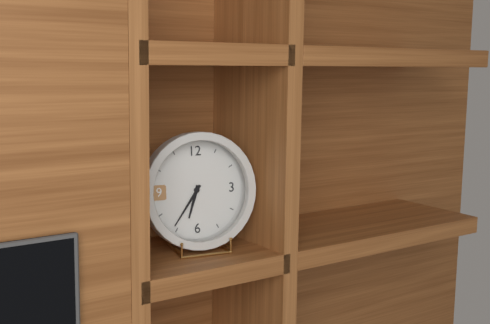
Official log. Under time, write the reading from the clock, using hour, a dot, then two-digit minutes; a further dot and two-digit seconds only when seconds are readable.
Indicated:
6.36
